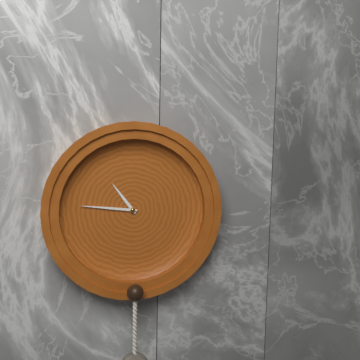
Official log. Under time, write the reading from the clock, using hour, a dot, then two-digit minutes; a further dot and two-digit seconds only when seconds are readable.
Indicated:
10.46
